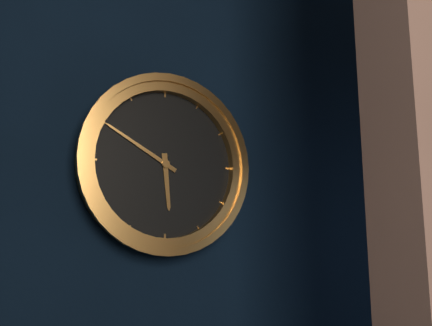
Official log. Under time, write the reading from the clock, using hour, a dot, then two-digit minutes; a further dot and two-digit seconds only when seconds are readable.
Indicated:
5.50
